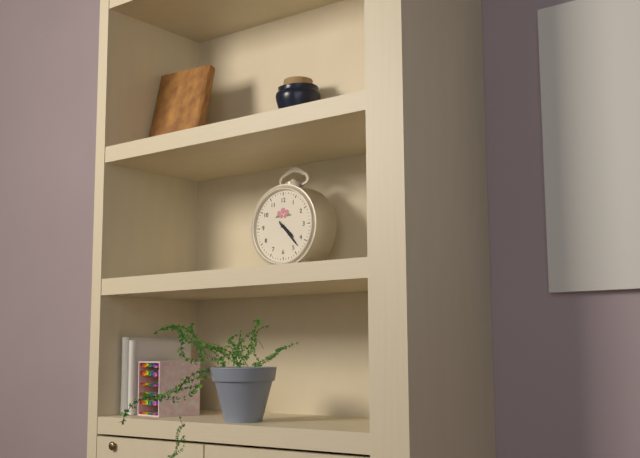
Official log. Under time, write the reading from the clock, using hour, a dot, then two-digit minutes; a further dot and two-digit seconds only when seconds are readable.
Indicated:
4.23
